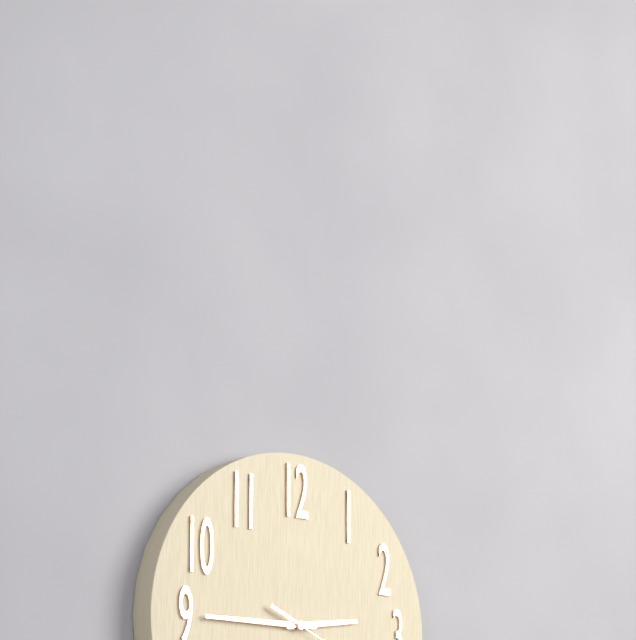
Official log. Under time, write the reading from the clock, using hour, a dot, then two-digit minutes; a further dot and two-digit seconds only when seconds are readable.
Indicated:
2.45
